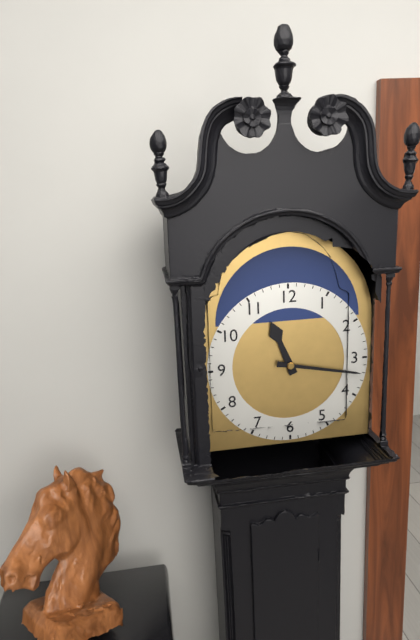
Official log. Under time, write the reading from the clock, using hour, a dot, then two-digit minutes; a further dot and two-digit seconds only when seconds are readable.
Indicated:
11.17
